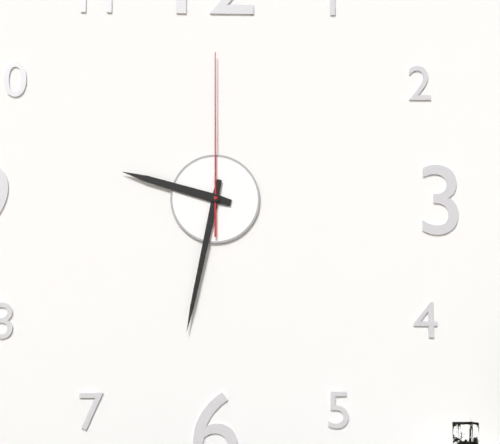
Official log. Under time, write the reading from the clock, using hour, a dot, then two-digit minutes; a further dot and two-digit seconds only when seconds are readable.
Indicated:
9.32.00
